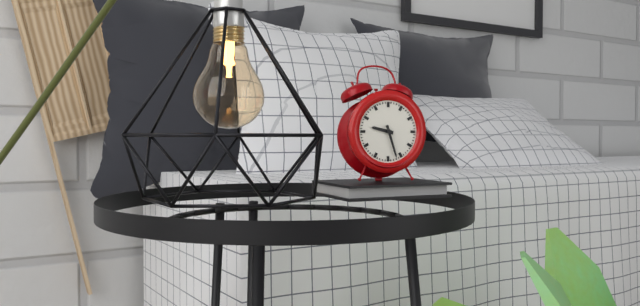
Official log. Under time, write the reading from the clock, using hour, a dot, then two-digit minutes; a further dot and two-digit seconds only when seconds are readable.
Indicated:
9.27
